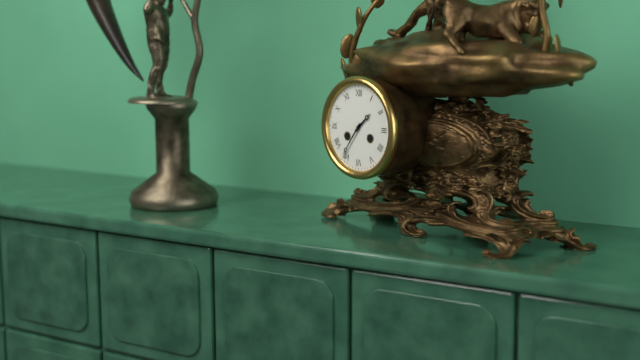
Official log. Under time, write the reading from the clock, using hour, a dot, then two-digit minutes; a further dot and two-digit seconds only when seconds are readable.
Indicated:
1.36
